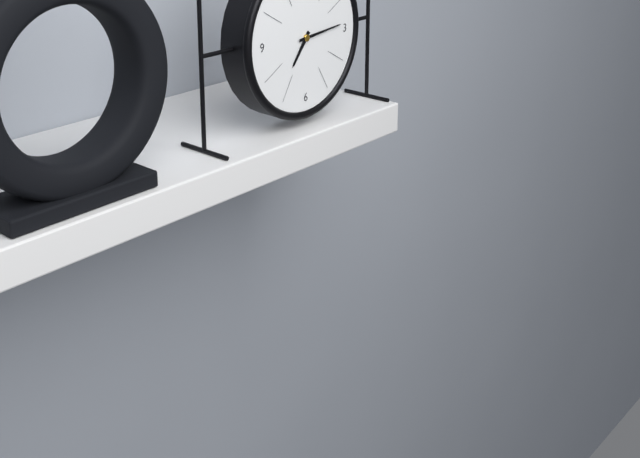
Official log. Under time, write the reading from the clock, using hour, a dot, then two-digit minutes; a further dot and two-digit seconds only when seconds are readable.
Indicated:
7.14
